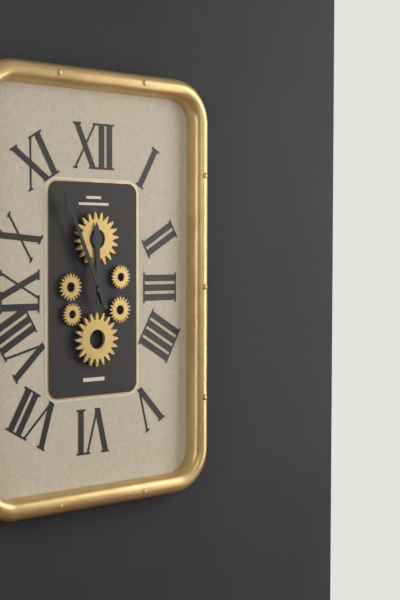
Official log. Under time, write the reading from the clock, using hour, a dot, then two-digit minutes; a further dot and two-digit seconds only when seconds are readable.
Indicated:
11.56
